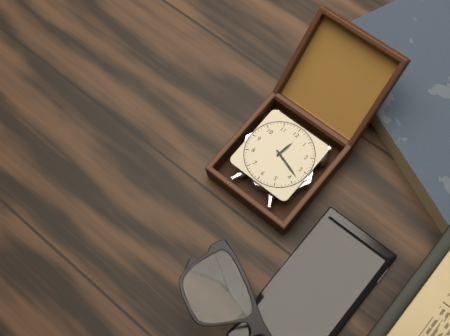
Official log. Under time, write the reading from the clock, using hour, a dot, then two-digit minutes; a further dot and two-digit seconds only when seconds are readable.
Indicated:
12.18
